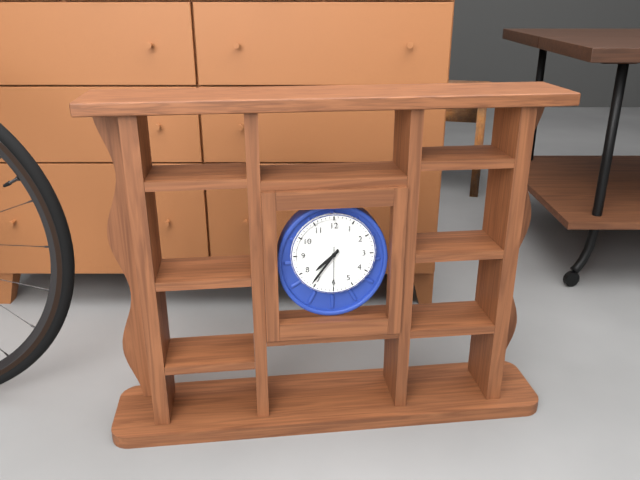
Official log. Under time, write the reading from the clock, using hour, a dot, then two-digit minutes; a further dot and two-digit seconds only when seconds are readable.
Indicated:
7.36
